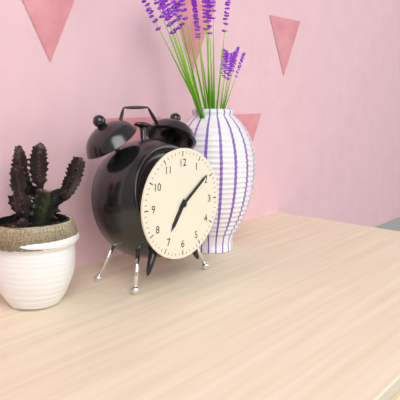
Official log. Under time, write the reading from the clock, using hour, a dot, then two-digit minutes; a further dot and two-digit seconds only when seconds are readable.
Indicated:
7.09
